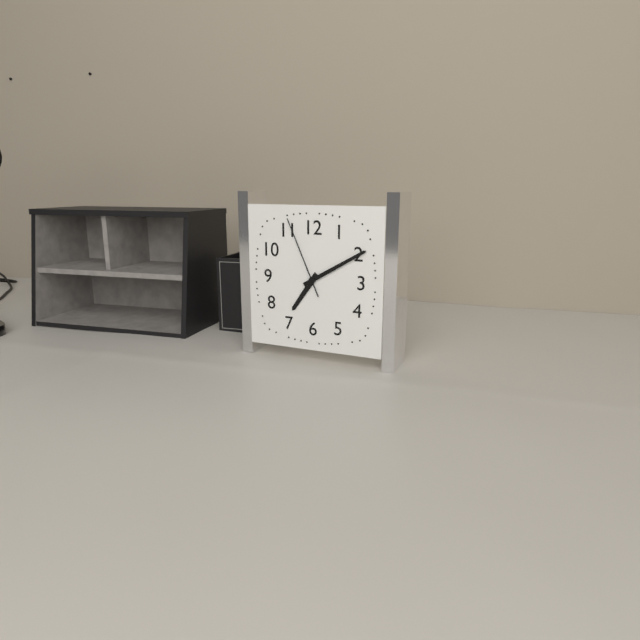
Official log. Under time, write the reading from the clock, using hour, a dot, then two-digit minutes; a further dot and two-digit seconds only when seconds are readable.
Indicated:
7.10.56
